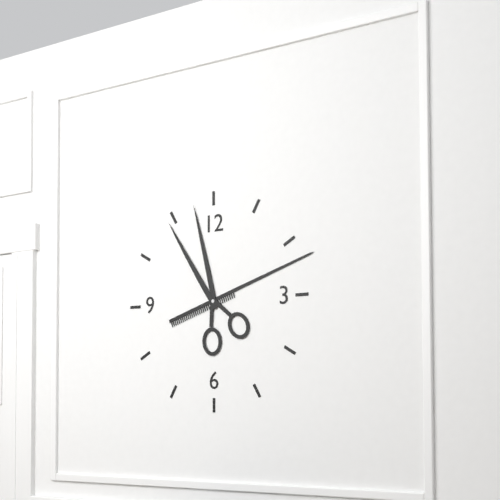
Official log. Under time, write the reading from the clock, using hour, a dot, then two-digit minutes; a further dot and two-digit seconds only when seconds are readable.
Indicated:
11.12
